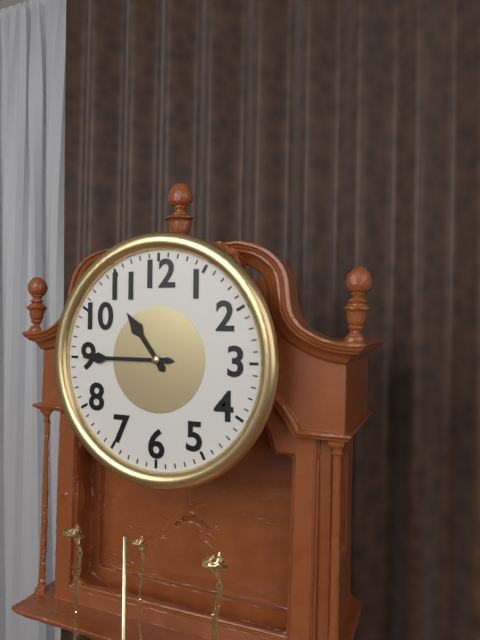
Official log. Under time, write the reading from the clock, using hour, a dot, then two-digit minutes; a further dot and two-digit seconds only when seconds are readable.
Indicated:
10.45
